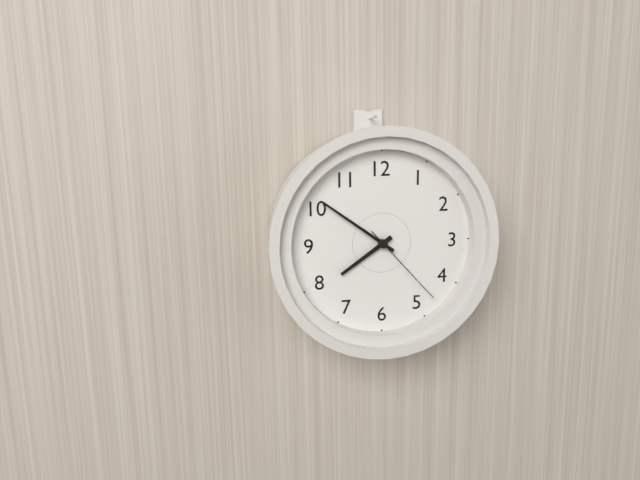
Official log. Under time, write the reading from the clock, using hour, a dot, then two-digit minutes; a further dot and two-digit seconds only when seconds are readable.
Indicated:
7.51.23
